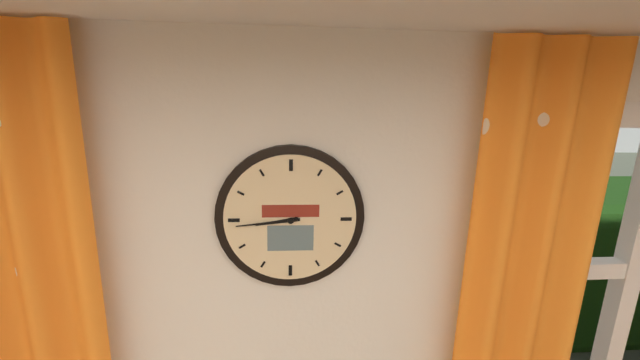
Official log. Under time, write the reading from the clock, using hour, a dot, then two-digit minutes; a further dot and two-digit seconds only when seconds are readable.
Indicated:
8.44
